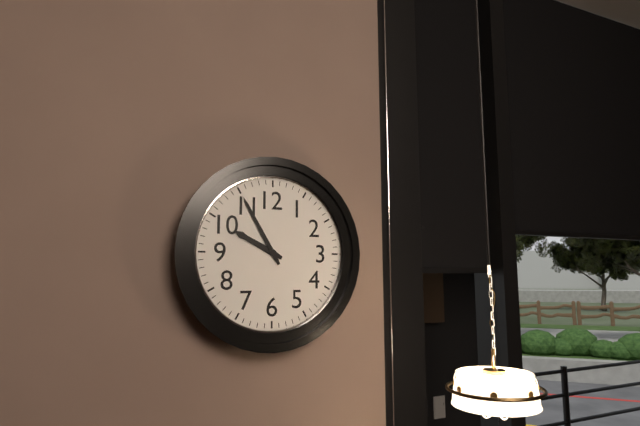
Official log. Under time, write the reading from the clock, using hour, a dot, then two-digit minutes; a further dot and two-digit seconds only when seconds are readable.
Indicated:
9.55
